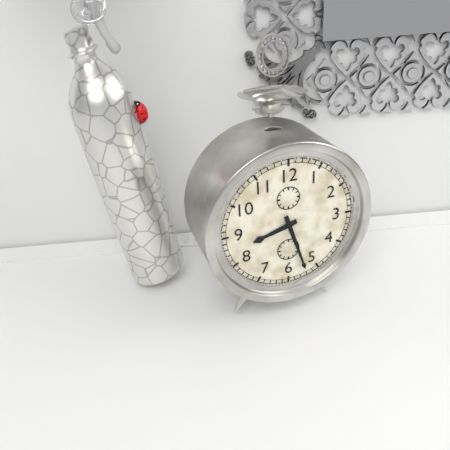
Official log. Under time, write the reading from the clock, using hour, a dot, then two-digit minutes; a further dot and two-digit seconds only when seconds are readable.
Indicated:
8.27
